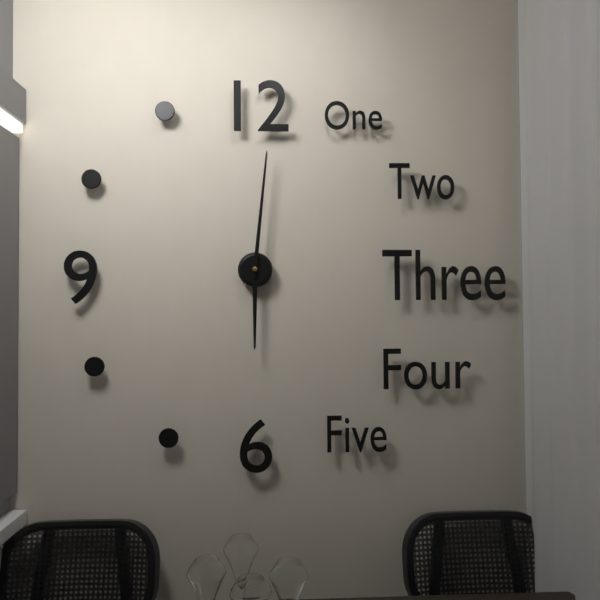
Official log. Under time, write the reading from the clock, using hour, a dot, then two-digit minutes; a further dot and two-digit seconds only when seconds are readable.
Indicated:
6.01
